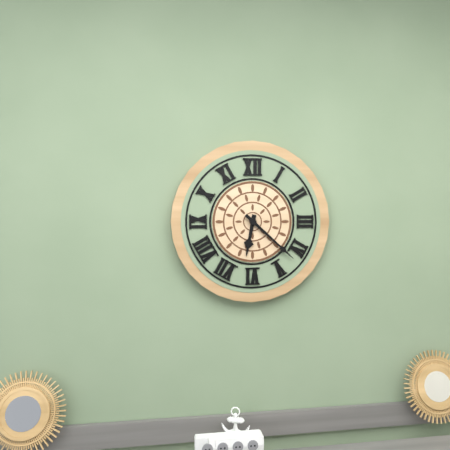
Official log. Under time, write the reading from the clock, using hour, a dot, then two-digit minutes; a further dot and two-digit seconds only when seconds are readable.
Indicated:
6.22
